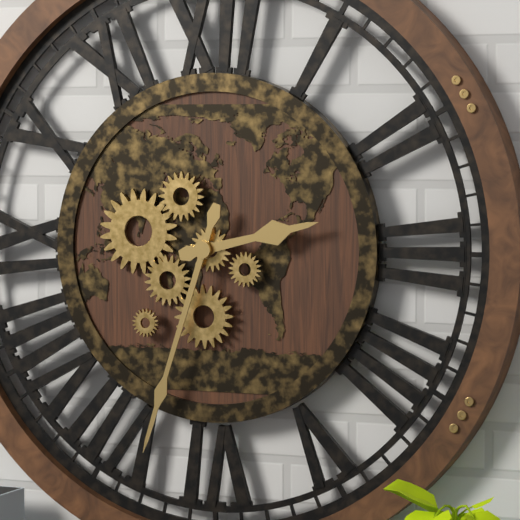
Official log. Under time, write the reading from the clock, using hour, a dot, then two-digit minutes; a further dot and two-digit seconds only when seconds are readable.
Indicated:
2.33
